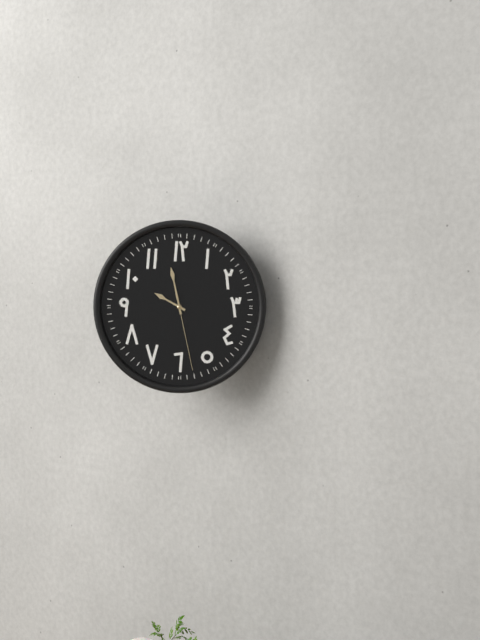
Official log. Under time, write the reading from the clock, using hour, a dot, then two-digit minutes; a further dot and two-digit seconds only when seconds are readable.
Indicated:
9.58.28
